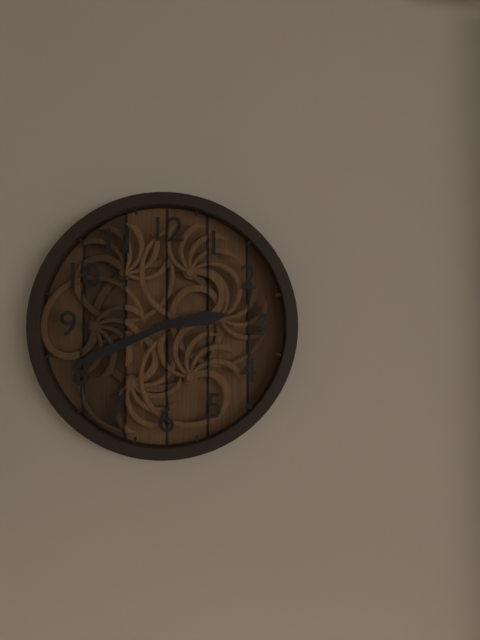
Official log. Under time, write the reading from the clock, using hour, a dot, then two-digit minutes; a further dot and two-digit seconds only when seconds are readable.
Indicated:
2.41
